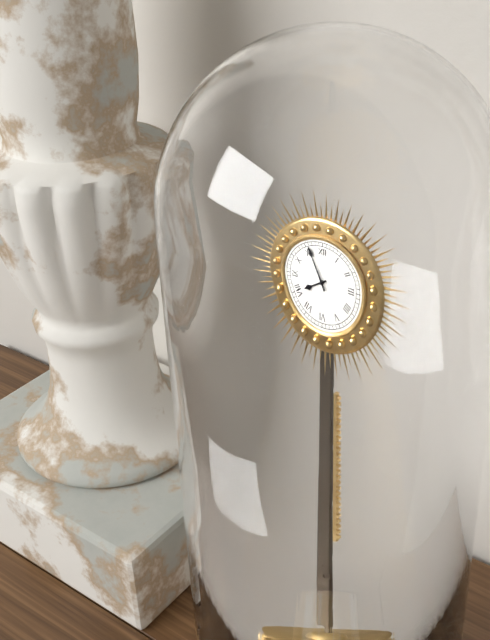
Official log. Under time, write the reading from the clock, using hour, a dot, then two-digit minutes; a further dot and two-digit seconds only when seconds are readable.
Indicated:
7.56
